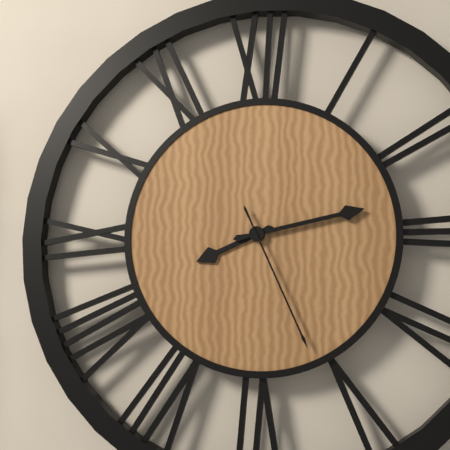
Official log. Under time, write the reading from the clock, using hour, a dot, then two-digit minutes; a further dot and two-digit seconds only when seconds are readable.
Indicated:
8.13.26
